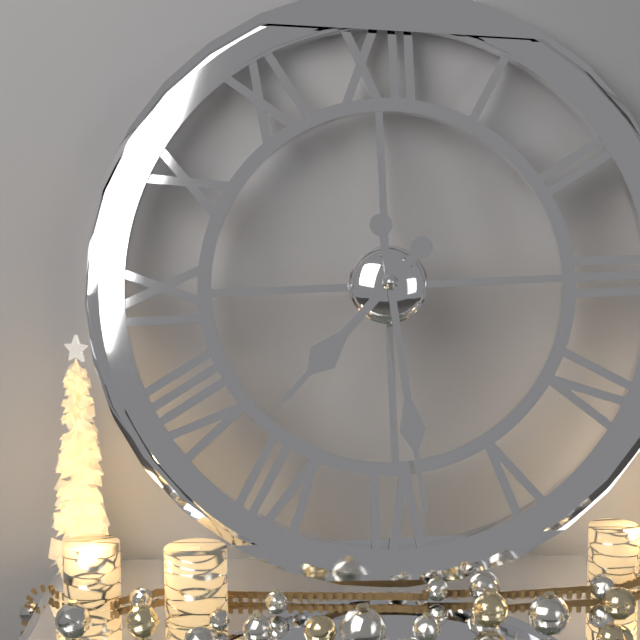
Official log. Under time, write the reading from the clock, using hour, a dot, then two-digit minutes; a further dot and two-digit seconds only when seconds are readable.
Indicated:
7.29
